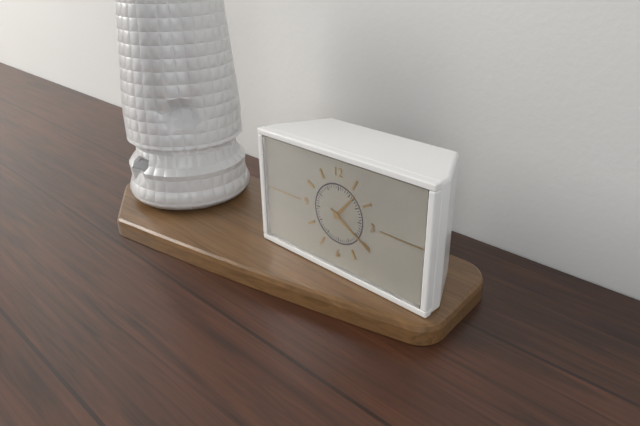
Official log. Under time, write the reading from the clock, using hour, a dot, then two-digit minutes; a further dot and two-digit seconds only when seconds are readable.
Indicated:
1.20
